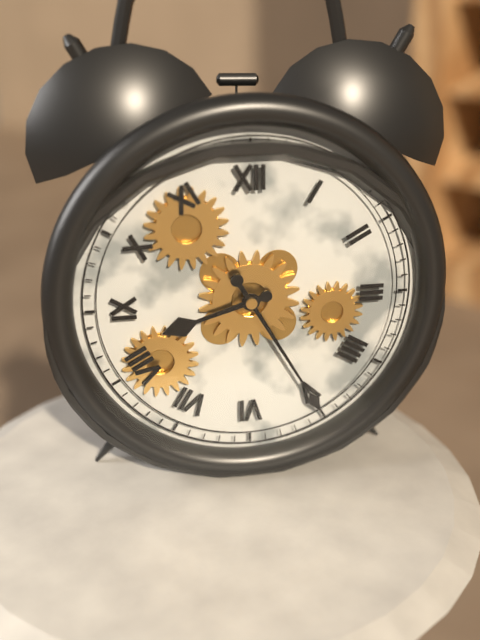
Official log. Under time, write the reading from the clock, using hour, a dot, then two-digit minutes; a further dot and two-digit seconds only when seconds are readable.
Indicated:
8.25
